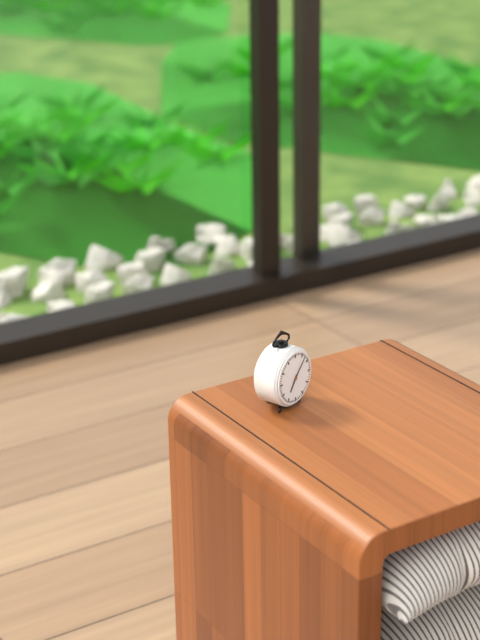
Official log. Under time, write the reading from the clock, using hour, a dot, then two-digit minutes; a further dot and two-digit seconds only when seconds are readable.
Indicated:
7.07
